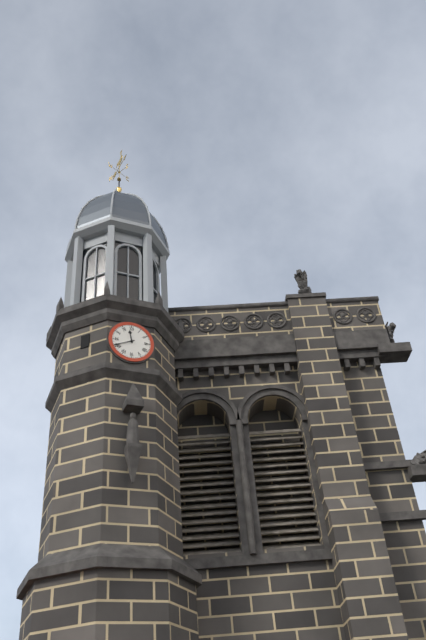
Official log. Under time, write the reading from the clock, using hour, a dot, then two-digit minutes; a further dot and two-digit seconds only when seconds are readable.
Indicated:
11.41
